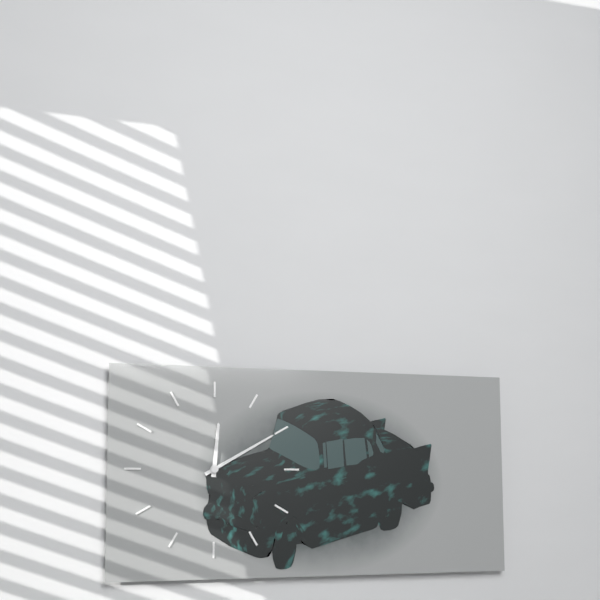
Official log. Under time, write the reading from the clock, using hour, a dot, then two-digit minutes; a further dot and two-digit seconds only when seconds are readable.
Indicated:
12.10
